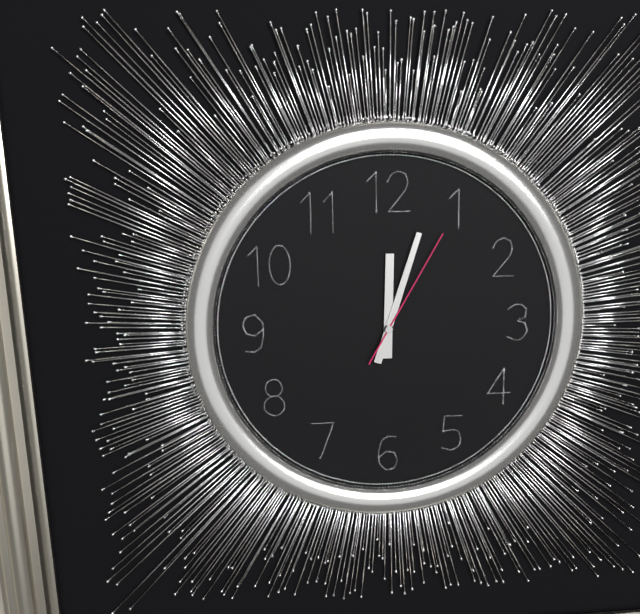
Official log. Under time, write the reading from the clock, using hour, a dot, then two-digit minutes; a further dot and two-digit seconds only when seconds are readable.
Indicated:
12.03.05
